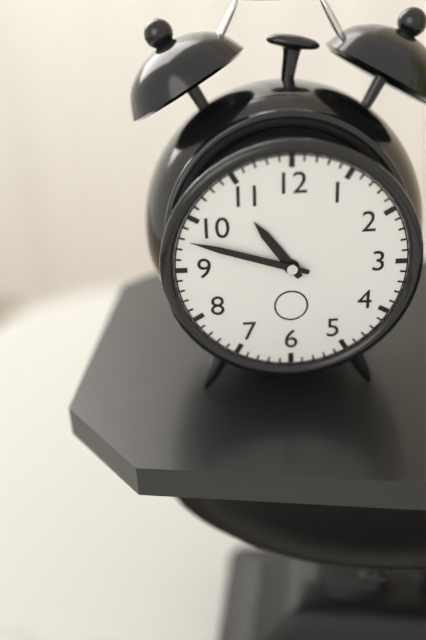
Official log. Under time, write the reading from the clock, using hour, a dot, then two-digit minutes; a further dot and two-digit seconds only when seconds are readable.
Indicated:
10.48
